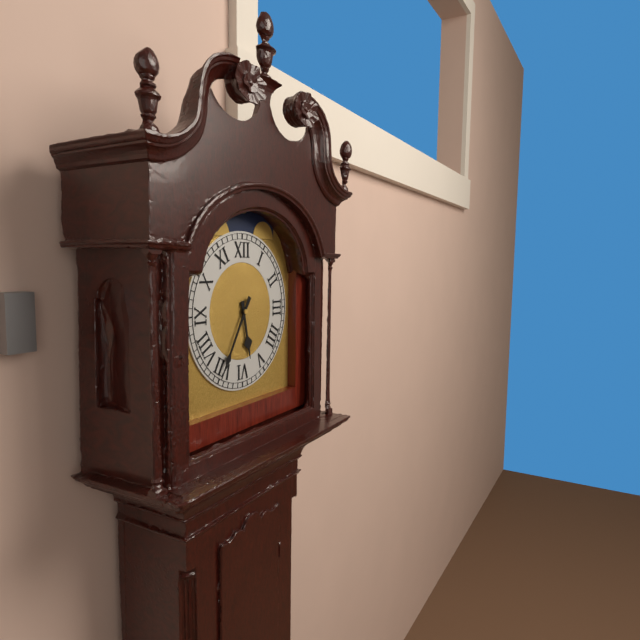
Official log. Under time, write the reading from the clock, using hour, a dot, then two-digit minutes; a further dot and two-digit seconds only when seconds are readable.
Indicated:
5.35
